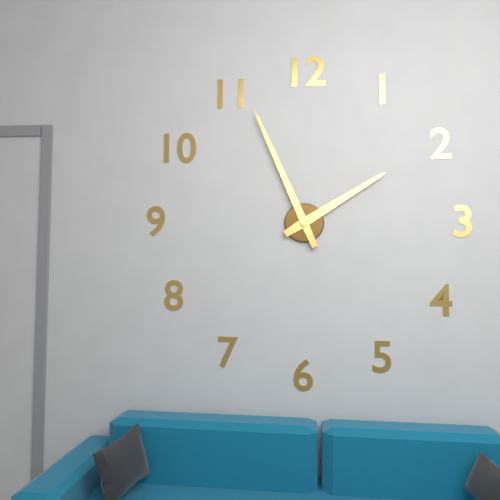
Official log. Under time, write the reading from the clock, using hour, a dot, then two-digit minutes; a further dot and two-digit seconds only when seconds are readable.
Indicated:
1.56
